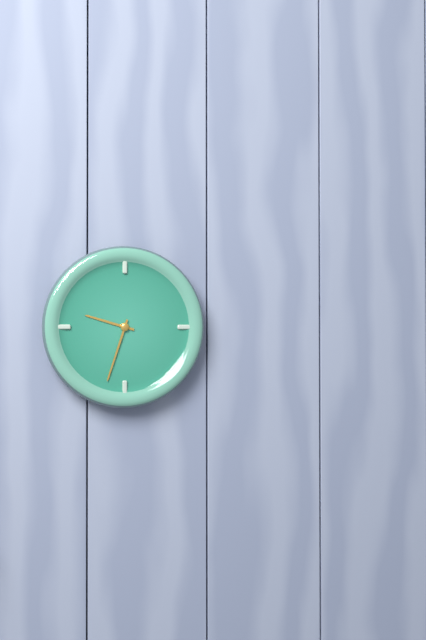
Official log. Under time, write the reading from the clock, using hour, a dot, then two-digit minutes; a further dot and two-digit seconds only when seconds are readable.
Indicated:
9.33
